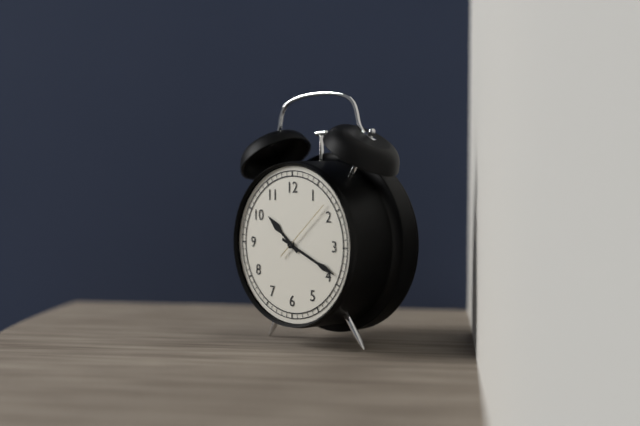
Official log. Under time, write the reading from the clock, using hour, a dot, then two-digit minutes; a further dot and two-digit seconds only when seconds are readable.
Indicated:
10.19.08
